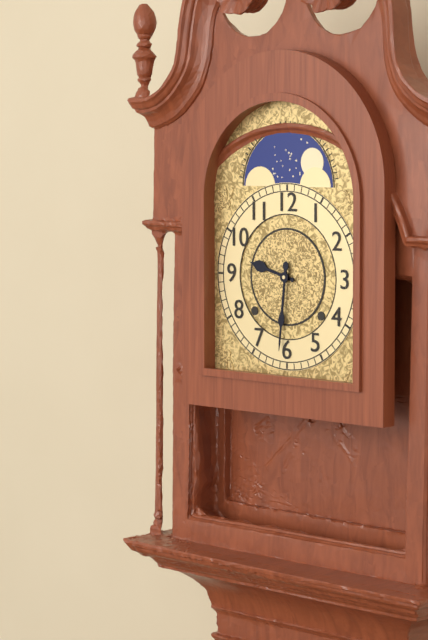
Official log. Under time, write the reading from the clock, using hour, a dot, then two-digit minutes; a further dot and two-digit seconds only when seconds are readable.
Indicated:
9.31
